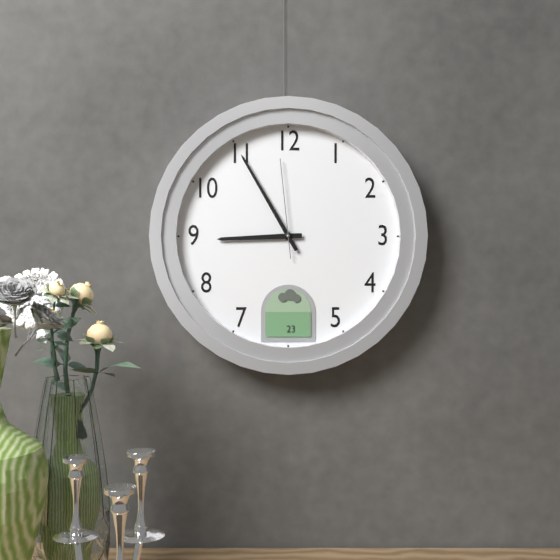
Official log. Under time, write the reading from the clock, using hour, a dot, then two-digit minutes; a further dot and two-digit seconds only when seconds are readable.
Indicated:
8.55.59
